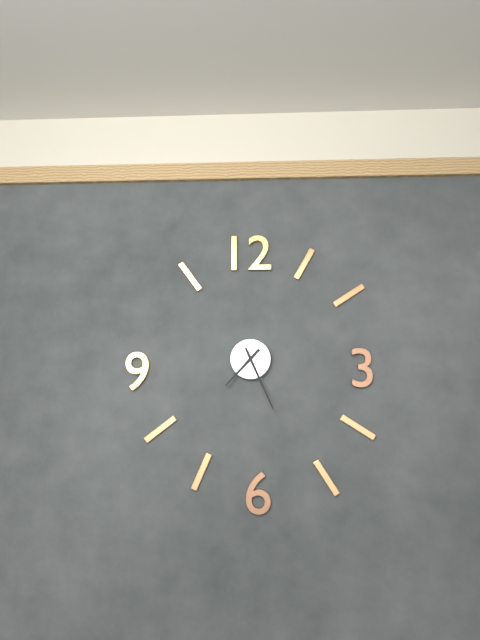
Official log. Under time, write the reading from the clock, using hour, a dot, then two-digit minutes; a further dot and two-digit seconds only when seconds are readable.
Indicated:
7.26
